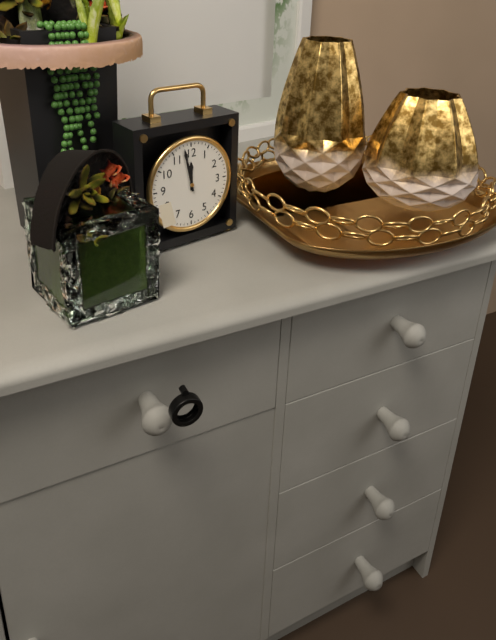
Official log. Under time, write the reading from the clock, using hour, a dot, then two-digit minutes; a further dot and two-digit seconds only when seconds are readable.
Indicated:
11.58
